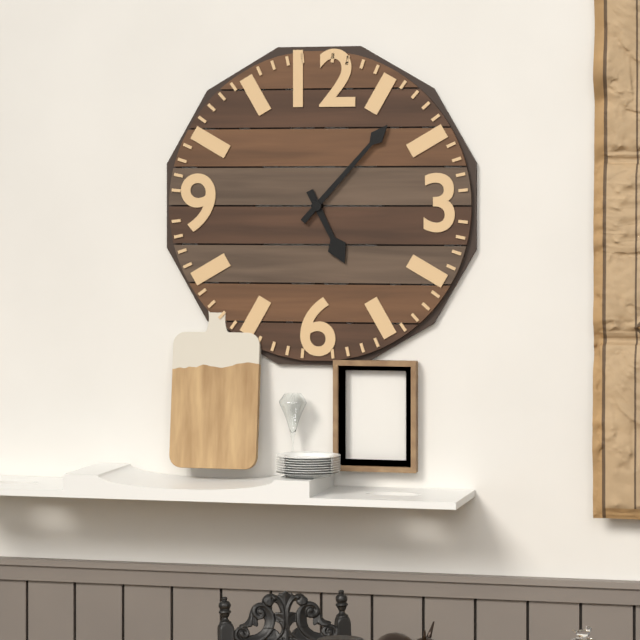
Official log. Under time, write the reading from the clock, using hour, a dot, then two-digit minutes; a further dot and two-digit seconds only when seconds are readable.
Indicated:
5.07
